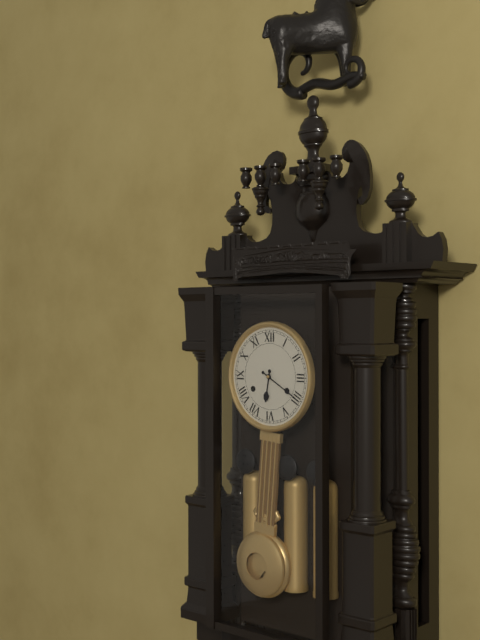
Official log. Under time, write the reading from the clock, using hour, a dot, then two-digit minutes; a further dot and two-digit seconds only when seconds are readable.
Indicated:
6.20
